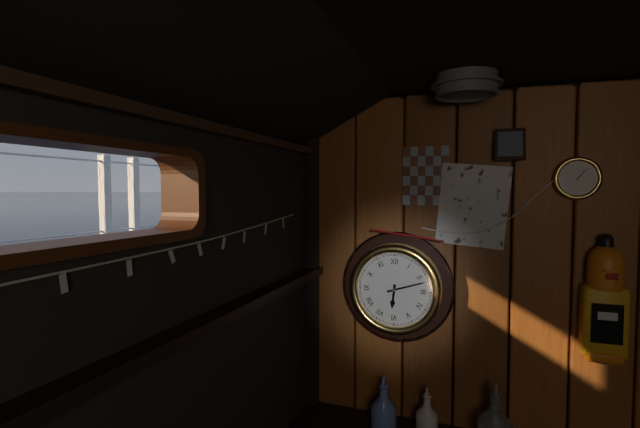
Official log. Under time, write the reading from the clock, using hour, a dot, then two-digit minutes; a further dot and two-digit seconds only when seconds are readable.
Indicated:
6.12
